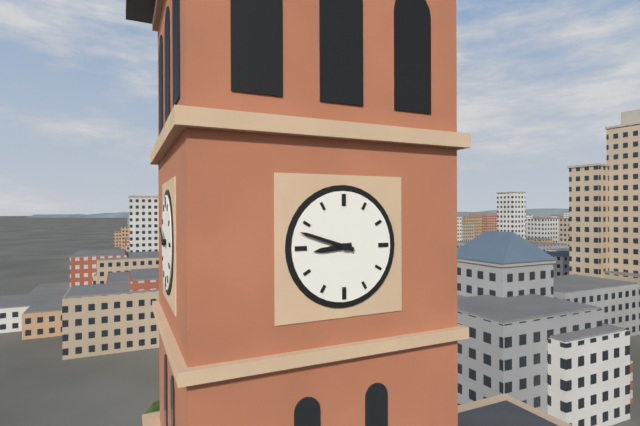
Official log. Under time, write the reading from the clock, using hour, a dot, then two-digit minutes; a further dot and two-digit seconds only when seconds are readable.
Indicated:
8.48
